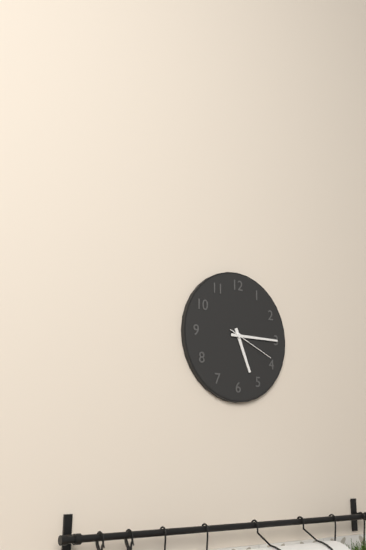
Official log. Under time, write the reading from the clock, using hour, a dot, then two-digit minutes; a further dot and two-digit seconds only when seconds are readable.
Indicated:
5.15
